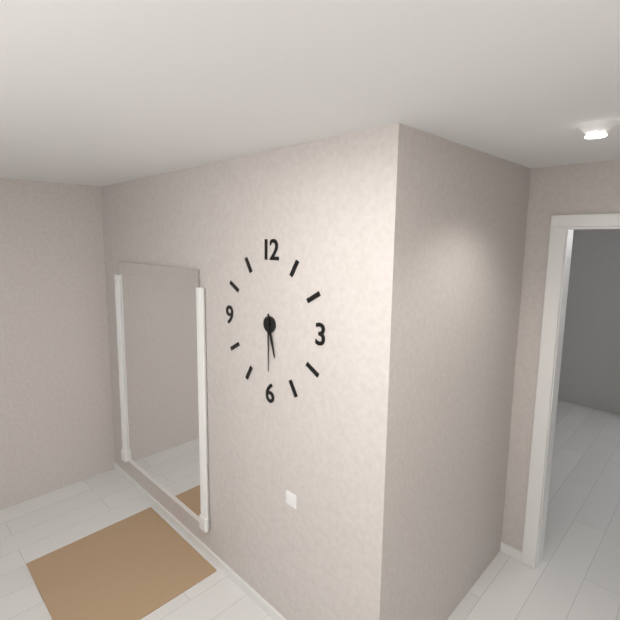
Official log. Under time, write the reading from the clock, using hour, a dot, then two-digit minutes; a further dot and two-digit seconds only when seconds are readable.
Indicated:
5.30
